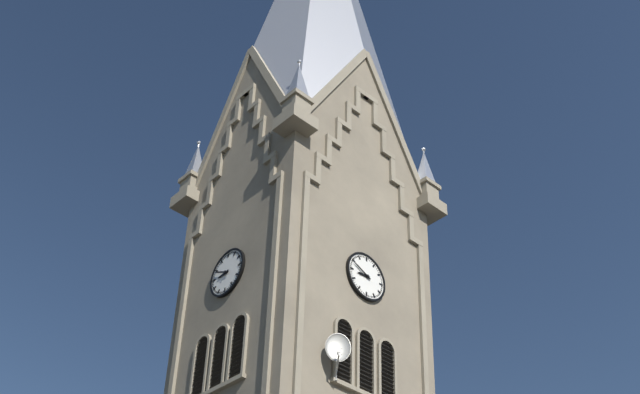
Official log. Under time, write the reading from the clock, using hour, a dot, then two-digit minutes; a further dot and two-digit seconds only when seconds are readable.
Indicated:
8.49
